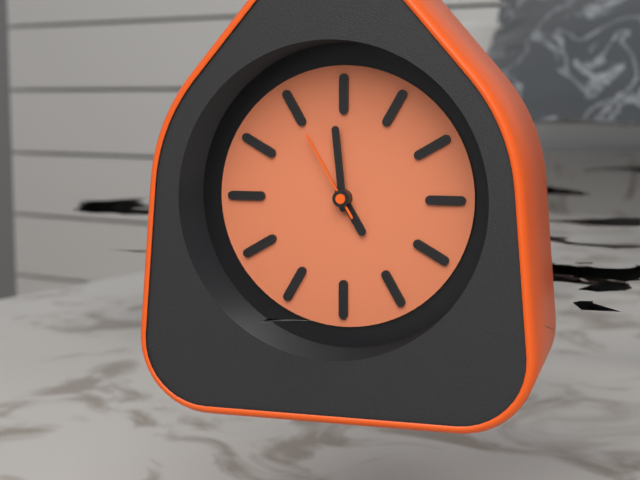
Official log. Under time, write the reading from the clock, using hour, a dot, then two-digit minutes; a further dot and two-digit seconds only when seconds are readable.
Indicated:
4.59.55
